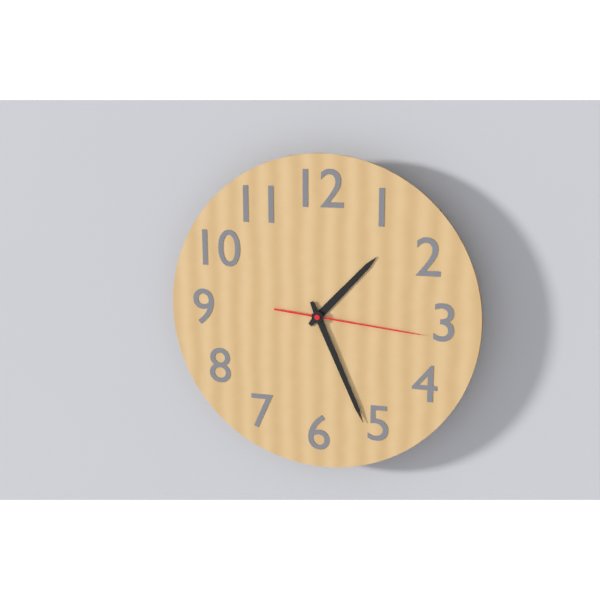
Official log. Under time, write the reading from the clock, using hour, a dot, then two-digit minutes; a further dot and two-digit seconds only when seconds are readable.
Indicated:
1.26.16
